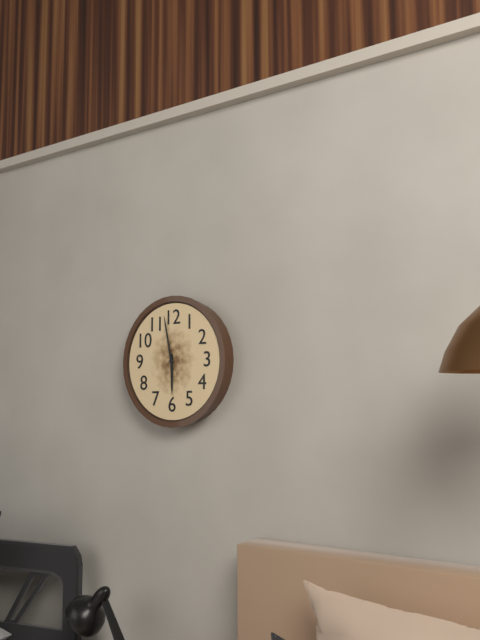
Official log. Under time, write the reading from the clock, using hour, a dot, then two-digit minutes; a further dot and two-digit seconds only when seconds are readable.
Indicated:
5.58
